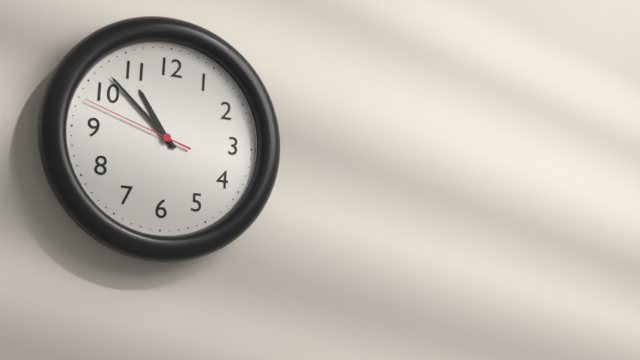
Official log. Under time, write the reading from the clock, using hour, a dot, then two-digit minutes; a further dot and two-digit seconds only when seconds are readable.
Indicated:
10.52.48
